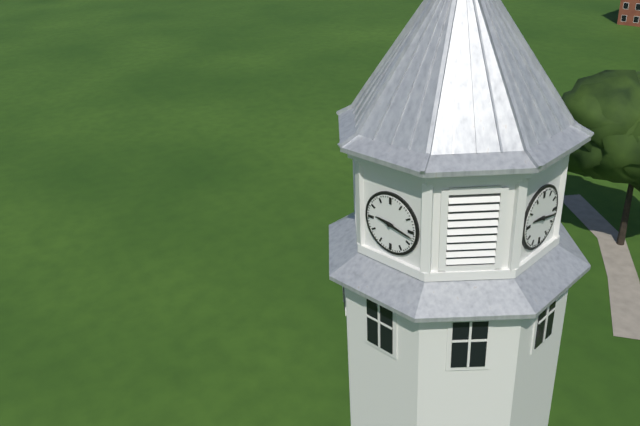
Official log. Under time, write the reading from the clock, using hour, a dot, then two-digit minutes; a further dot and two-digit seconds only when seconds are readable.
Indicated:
9.17
